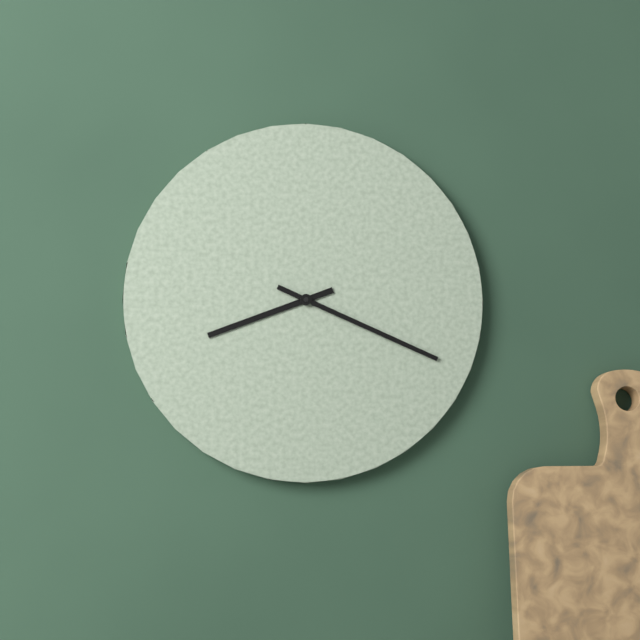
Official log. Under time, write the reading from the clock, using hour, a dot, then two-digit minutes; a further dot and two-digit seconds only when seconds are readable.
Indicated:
8.19
